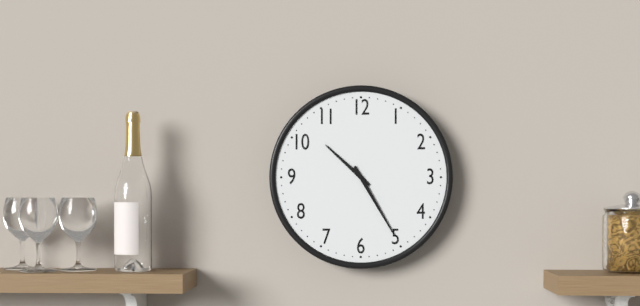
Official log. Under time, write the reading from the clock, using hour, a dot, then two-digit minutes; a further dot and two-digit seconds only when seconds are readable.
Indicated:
10.25
